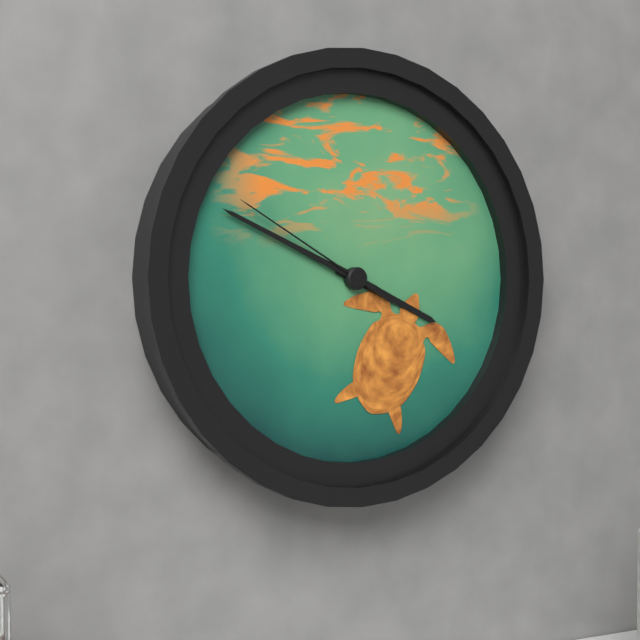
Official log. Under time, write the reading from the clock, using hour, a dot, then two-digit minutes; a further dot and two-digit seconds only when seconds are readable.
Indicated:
3.49.50
